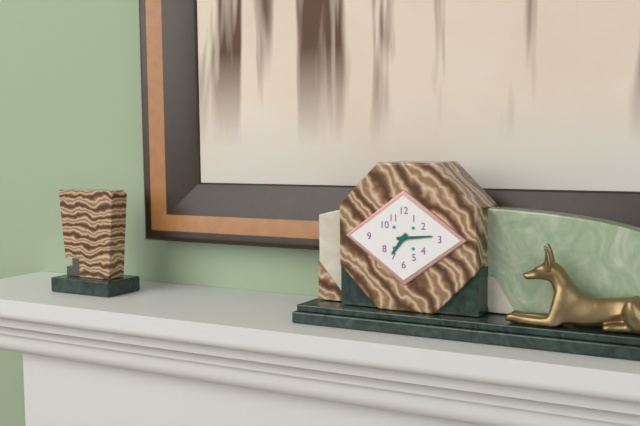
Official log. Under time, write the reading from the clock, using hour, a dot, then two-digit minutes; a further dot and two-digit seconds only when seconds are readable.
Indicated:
7.14
